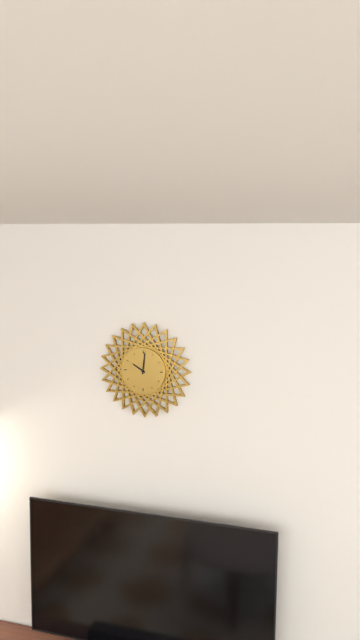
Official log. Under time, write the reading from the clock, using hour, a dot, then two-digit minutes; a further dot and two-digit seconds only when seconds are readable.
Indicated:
10.01
